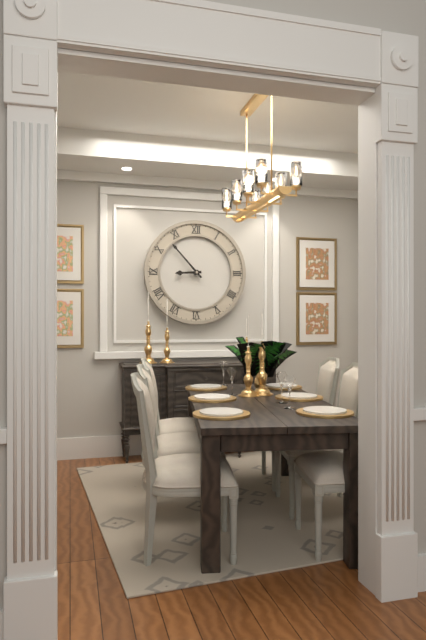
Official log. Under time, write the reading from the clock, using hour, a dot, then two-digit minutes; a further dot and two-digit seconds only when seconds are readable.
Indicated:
8.53
